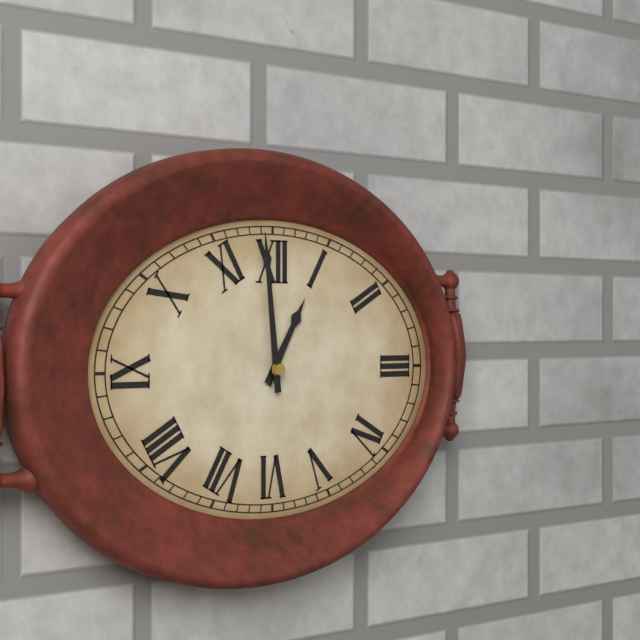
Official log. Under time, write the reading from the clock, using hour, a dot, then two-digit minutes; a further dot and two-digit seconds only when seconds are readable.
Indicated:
12.59
